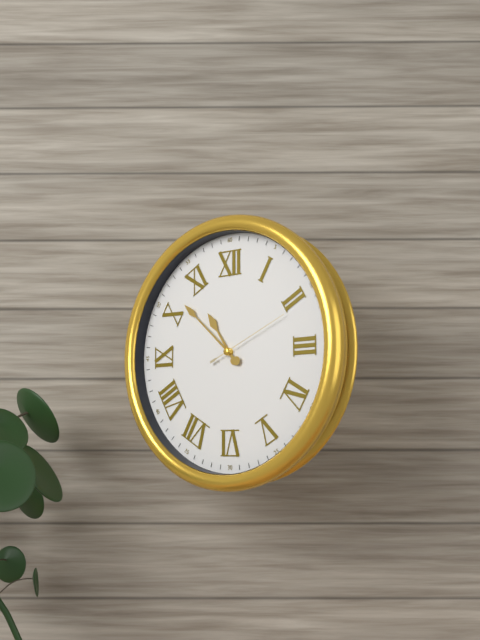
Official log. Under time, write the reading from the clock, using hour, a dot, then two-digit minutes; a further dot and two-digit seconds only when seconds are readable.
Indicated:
10.52.11
